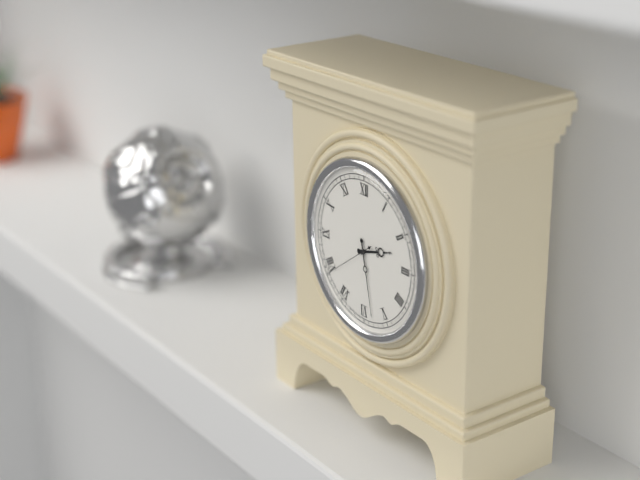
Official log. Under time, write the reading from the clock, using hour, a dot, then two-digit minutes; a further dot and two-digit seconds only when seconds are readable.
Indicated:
2.28.39
